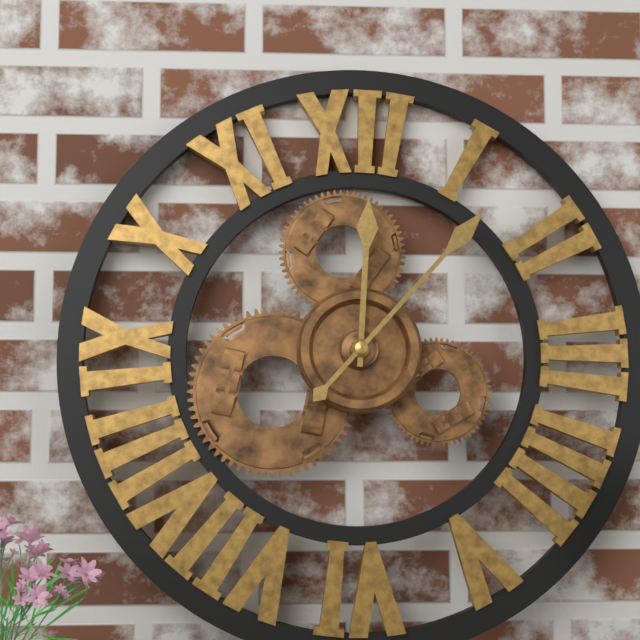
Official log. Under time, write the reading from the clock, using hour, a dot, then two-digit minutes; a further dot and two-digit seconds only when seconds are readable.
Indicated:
12.07
